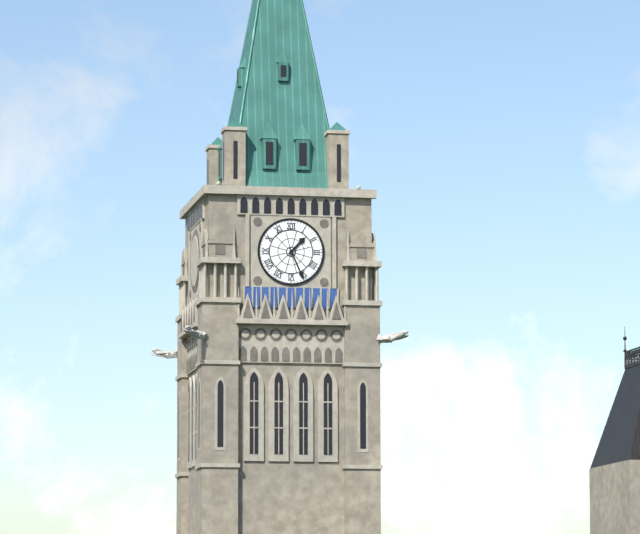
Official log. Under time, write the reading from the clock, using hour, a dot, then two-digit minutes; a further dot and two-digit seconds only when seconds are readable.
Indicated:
1.26
